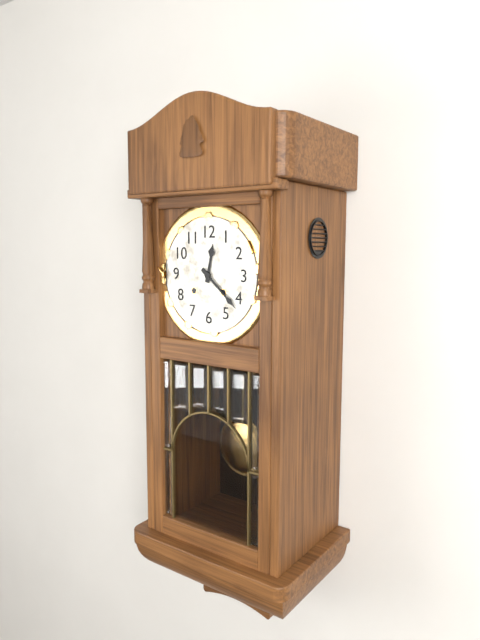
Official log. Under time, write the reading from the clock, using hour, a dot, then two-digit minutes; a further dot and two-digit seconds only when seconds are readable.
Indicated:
12.22
